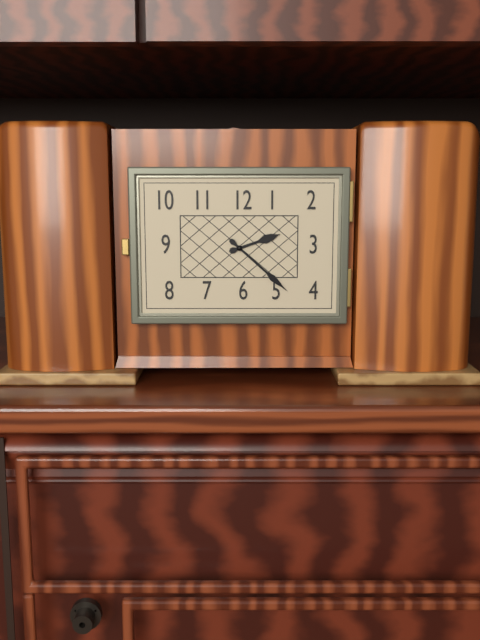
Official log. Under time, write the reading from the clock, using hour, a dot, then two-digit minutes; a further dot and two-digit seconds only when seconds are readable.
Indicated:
2.22
